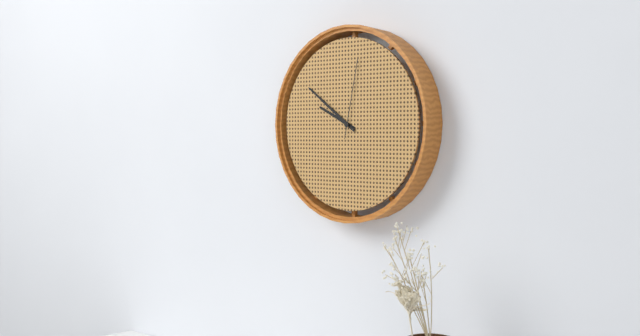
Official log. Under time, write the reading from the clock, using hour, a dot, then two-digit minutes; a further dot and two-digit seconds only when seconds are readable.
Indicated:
9.51.02
